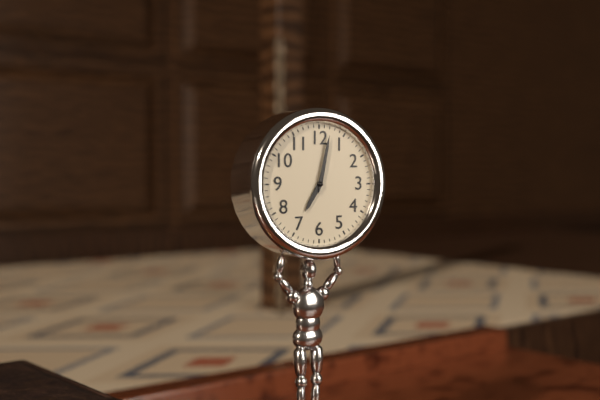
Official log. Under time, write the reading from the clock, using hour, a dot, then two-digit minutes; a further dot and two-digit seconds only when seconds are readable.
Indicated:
7.02
